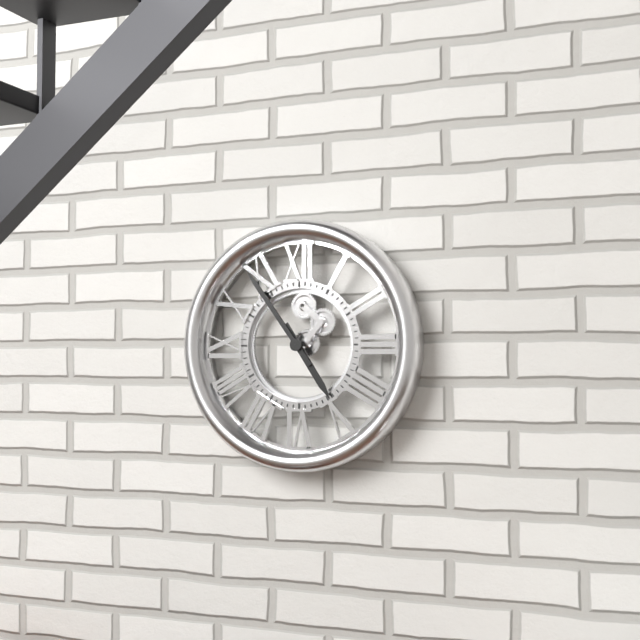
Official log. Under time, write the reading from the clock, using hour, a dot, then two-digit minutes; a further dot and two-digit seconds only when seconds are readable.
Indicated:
4.54
